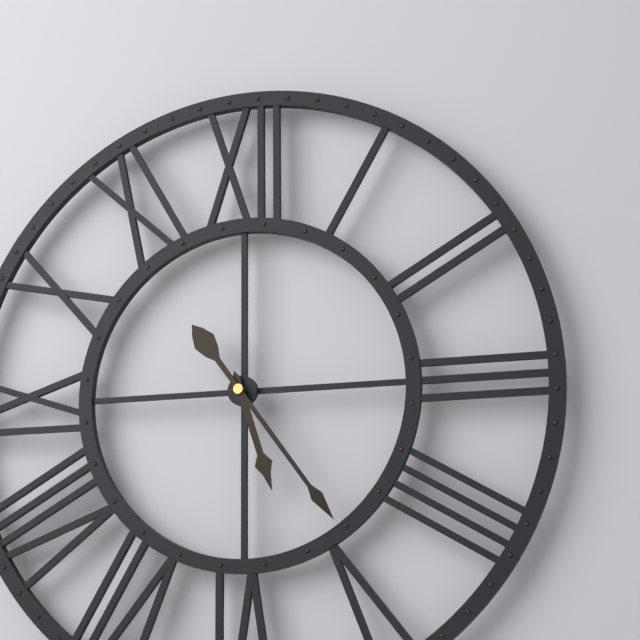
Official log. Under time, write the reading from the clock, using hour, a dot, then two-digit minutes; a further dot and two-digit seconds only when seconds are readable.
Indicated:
5.24
